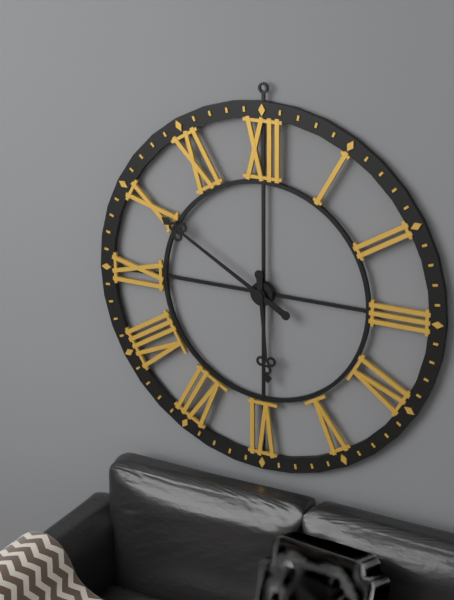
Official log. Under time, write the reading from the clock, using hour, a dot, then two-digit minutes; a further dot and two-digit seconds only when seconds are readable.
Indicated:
5.50
